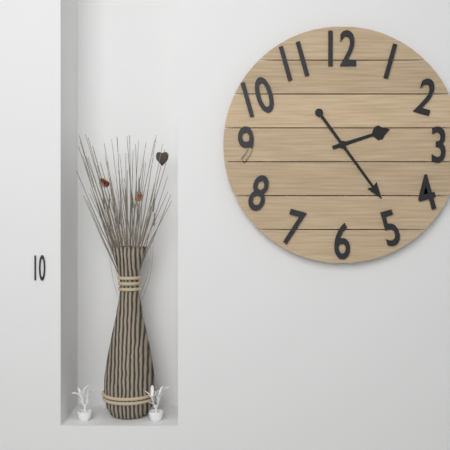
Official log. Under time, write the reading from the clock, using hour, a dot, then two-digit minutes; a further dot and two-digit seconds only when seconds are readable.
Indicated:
2.24
